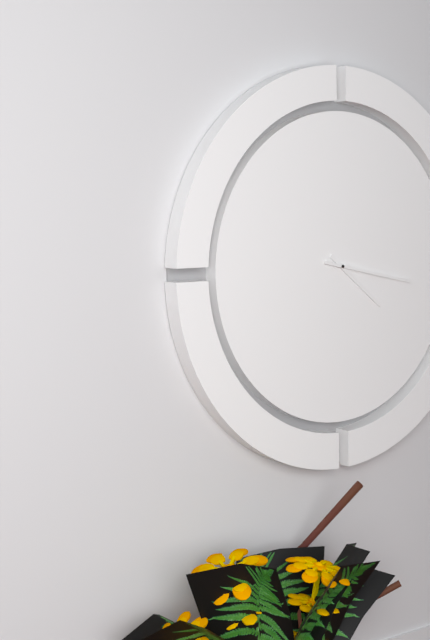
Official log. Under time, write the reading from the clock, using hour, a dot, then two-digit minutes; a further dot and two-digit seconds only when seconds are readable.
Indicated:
4.17
